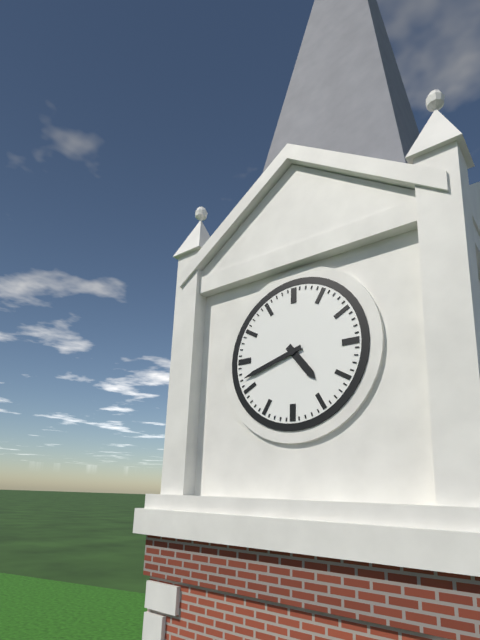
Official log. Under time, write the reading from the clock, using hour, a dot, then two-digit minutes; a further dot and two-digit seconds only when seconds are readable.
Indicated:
4.42
